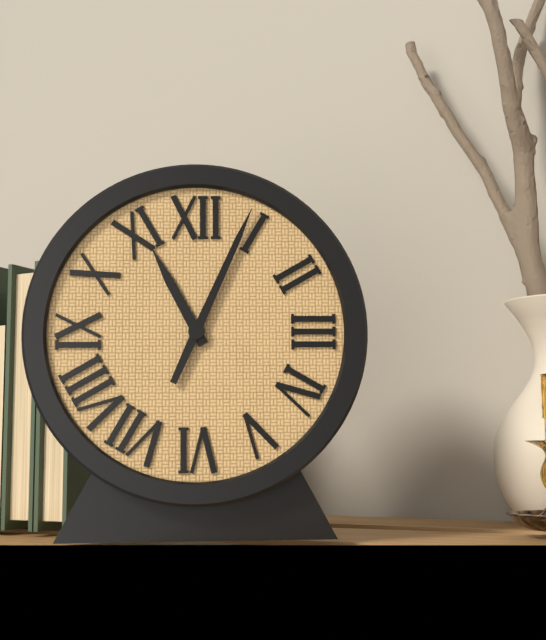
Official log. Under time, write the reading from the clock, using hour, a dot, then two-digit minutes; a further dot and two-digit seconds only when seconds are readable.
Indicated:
11.04
